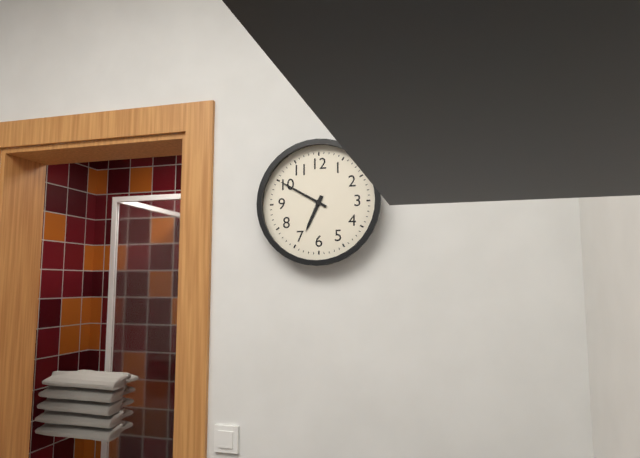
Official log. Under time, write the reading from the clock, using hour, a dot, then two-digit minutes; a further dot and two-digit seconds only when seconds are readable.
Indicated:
6.50
